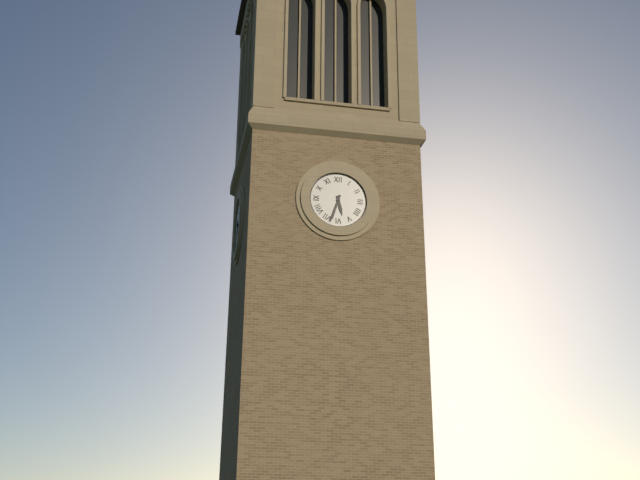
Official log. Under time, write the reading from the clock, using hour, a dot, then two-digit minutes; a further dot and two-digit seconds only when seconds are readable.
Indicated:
5.33
